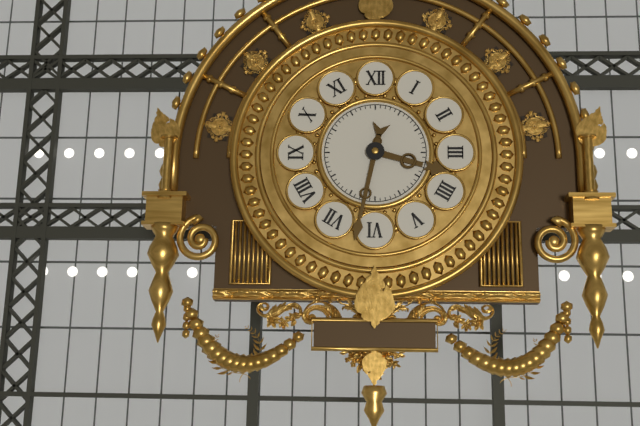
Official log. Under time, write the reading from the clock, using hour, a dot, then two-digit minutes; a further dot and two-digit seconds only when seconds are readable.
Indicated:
3.32
